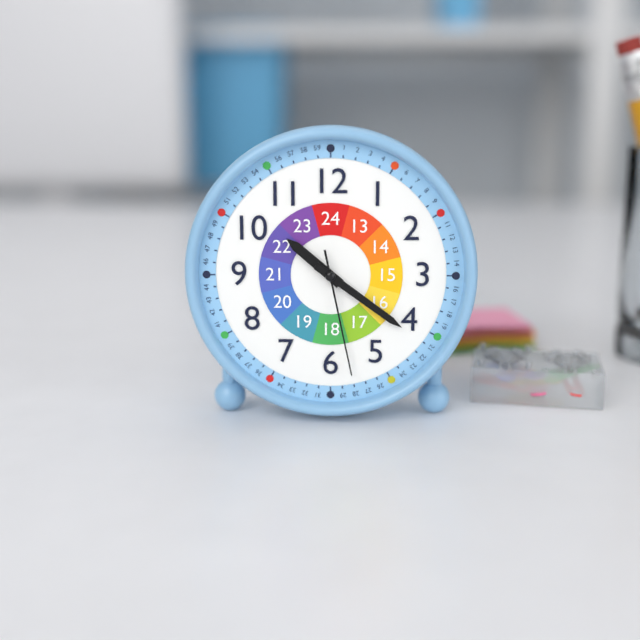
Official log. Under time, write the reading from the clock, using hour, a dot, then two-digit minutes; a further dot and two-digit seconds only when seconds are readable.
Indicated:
10.21.28
